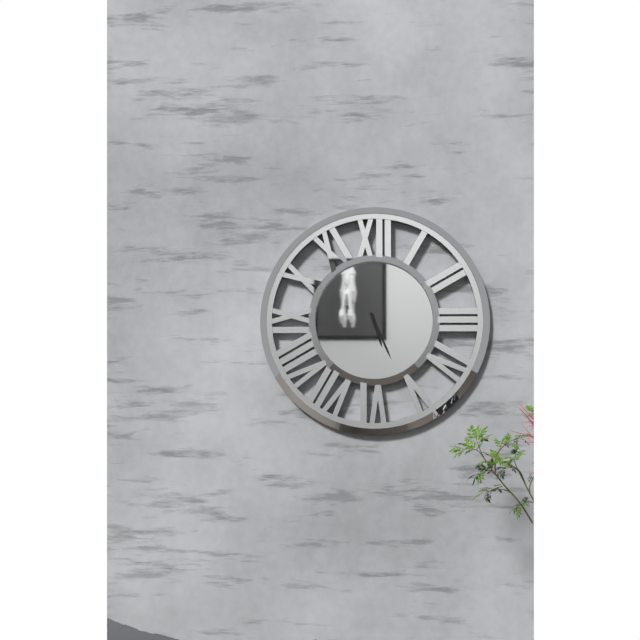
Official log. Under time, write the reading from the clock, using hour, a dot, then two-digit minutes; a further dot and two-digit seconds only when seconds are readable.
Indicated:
5.26
